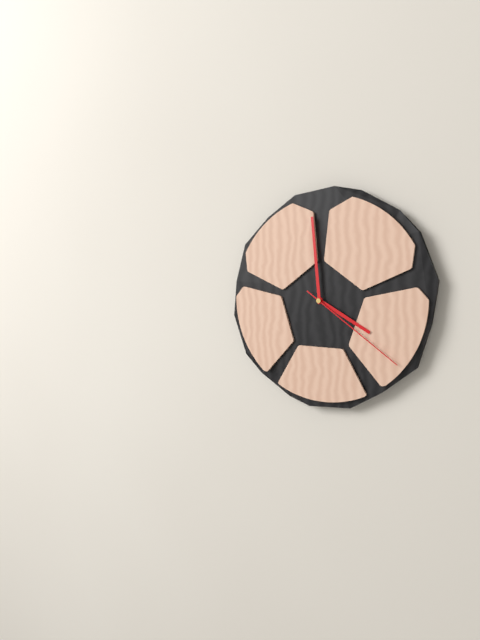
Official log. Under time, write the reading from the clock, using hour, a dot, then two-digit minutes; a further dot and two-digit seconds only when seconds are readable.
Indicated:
3.59.21
